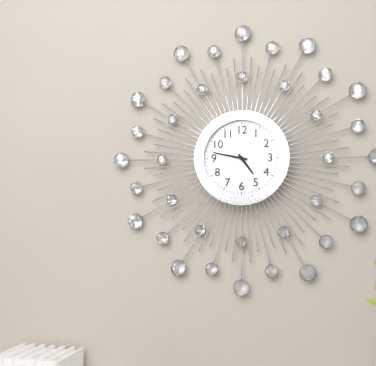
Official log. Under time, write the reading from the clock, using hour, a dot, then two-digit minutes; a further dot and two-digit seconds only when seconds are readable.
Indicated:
4.47
